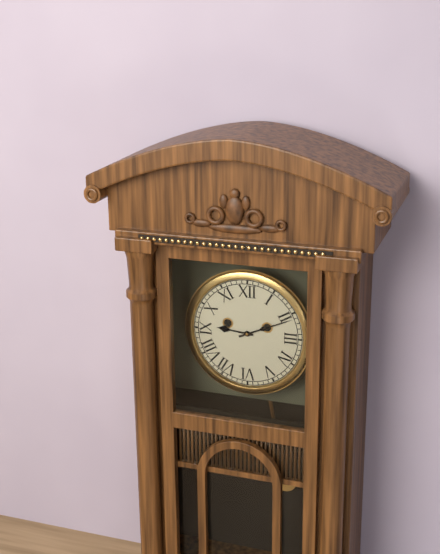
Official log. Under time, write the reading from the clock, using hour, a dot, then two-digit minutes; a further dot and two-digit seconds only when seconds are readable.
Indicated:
9.11
